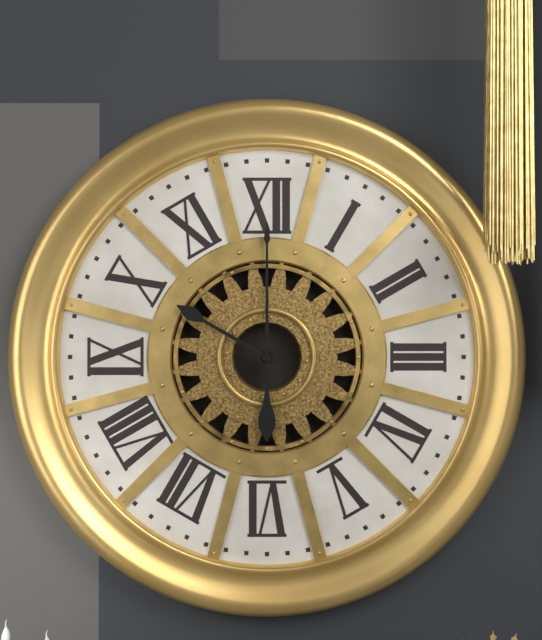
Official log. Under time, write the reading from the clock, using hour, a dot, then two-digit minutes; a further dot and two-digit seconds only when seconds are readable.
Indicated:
10.00
